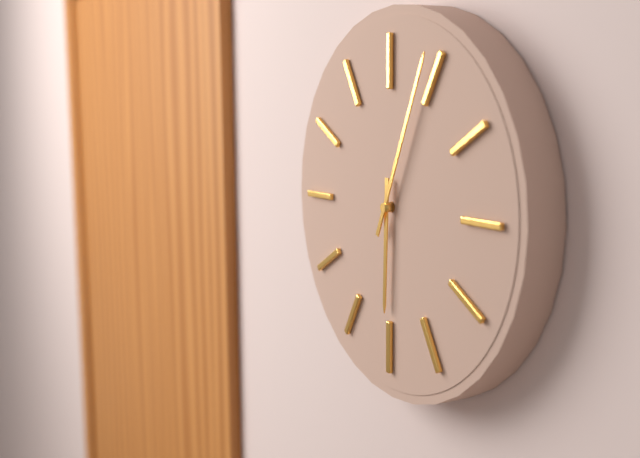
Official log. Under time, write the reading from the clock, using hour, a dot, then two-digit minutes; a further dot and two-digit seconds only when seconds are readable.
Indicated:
6.04
